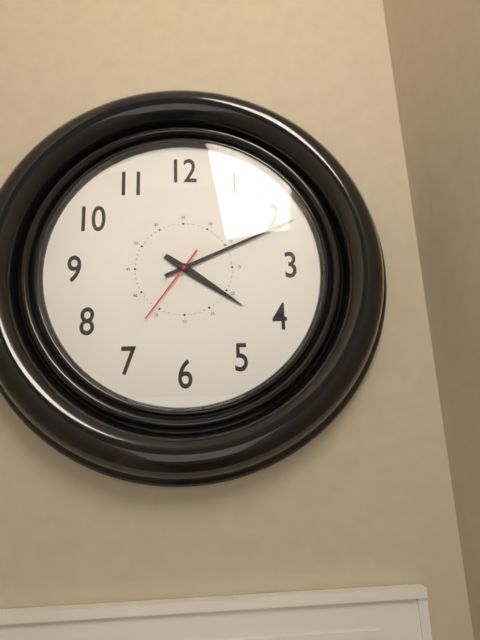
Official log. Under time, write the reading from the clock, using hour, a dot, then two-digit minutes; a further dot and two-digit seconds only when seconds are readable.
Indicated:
4.11.36
